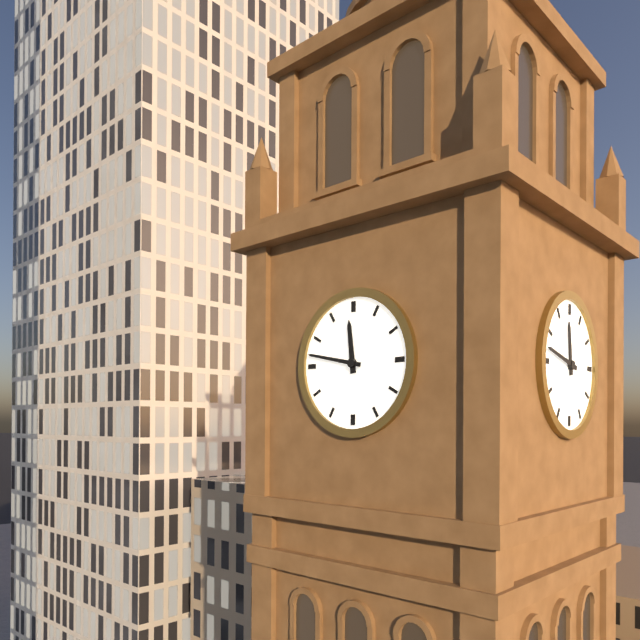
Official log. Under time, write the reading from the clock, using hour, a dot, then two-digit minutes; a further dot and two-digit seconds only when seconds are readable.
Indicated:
11.47
